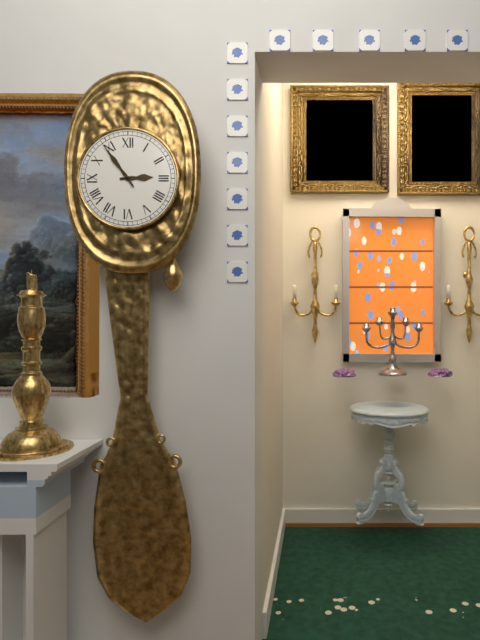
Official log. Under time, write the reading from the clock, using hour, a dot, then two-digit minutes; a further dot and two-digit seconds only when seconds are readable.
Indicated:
2.54
